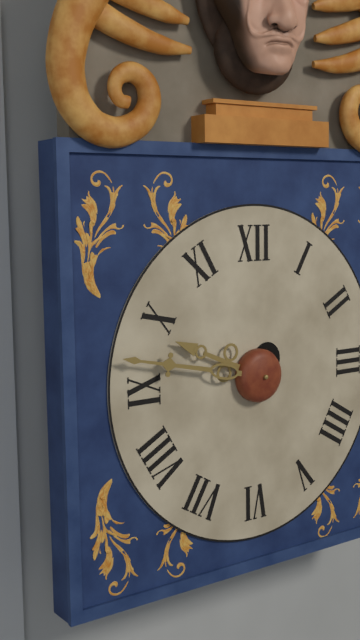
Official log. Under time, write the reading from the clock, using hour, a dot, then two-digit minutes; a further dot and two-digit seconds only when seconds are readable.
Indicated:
9.47
